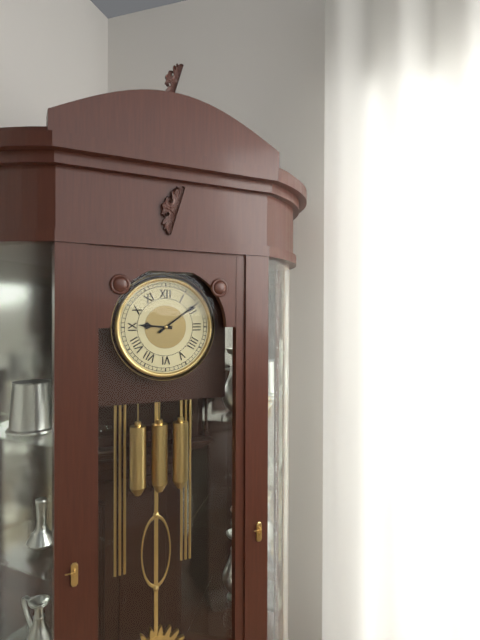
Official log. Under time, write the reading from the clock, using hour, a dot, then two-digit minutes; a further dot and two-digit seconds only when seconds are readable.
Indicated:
9.09
